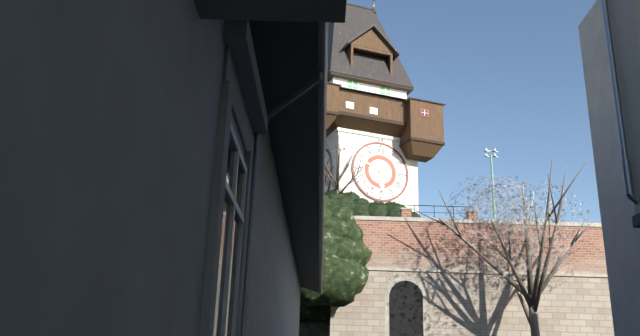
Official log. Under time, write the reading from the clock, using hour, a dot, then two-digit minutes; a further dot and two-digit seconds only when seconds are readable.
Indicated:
5.49
